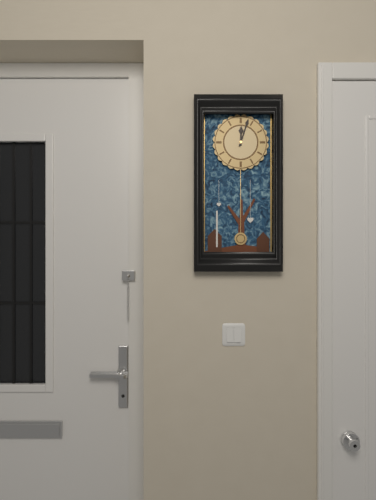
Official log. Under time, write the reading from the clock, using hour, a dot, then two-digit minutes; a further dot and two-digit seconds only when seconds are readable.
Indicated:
12.03
